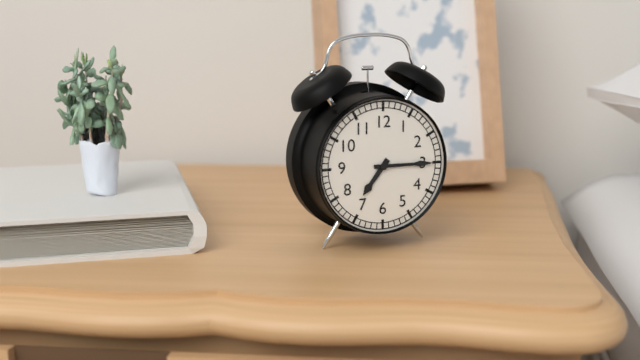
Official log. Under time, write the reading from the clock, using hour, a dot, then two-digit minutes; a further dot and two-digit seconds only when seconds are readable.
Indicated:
7.15
